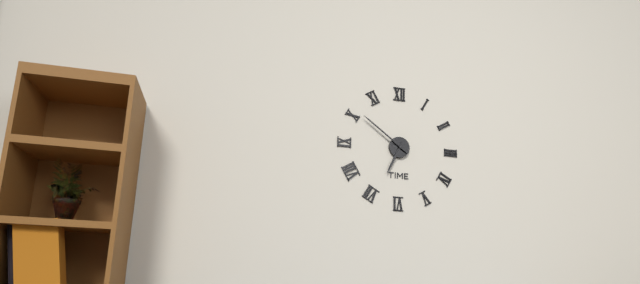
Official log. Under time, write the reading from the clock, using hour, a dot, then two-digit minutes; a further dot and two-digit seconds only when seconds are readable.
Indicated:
6.51
